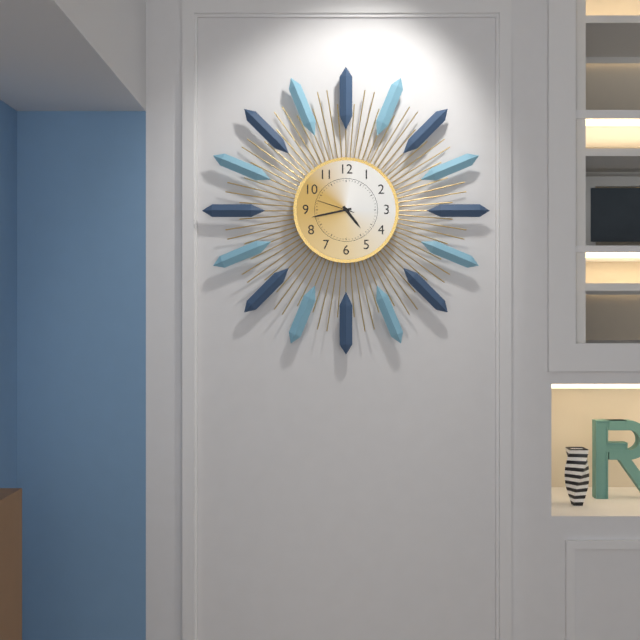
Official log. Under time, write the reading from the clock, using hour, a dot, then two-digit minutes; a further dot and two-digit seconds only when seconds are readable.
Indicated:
4.43
